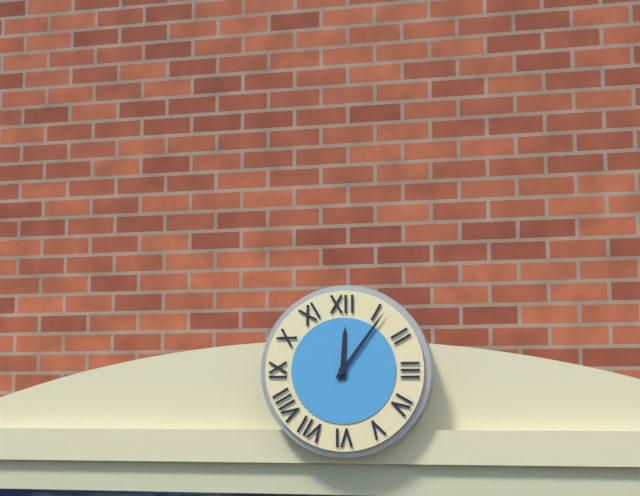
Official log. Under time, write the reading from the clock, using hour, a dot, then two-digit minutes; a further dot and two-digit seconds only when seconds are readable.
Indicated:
12.06
